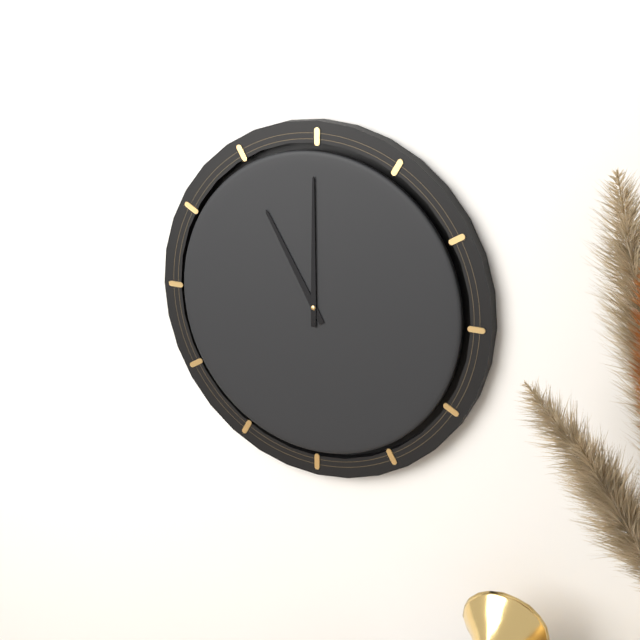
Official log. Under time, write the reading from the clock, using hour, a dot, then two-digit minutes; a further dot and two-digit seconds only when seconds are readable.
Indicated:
11.00
